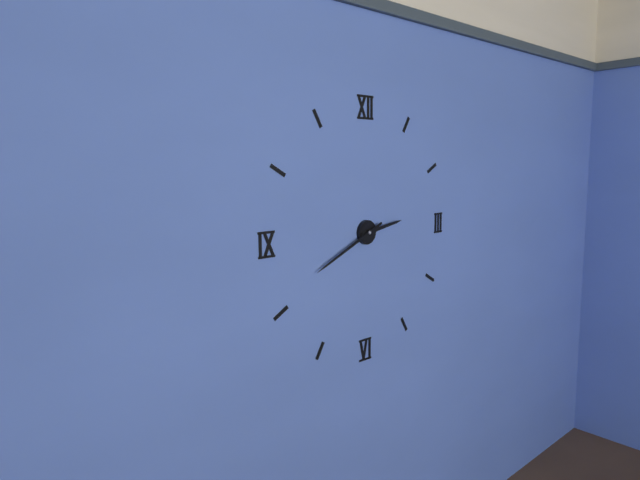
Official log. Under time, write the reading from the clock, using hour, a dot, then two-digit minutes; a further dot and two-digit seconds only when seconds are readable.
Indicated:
2.41
